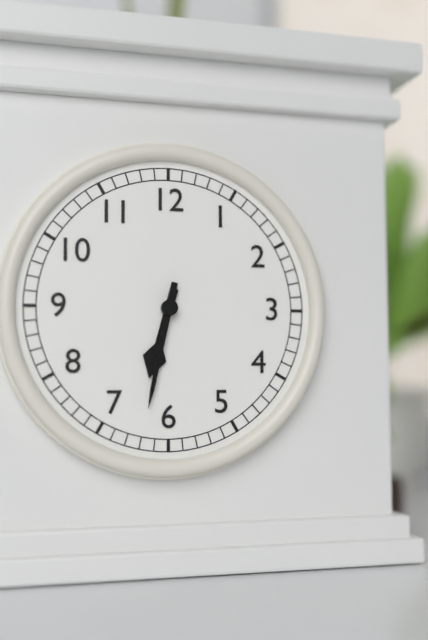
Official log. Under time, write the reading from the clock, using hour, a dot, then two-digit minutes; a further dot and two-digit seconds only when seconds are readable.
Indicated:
6.32
